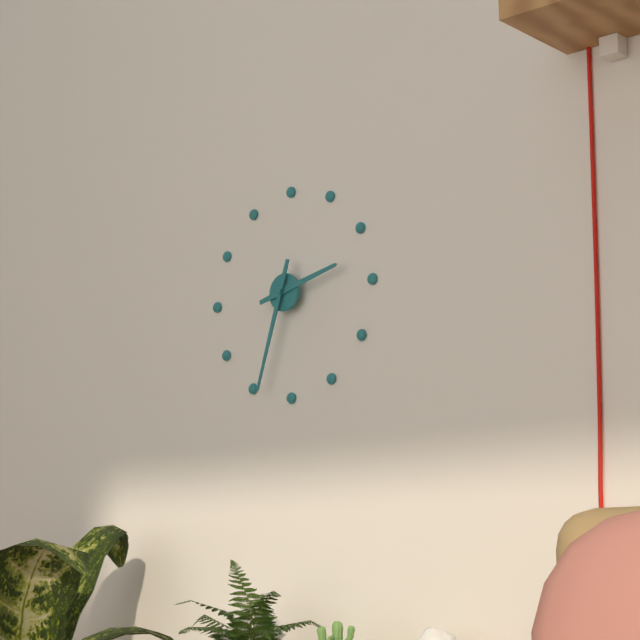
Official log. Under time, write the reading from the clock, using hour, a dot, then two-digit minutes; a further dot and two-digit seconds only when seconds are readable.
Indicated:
2.33
